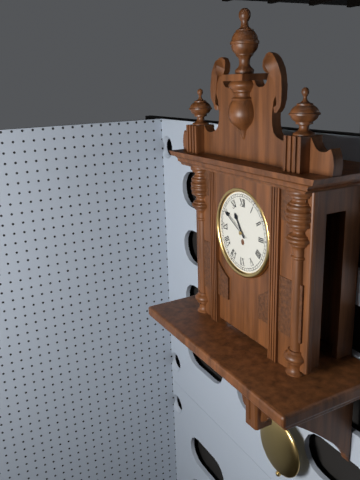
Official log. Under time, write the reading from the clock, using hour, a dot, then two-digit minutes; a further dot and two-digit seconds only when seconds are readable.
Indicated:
10.50
